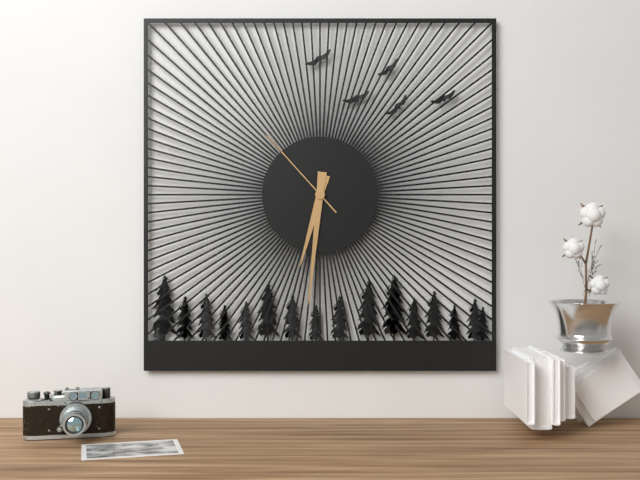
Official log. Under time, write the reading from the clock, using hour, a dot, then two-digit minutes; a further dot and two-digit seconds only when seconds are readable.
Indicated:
6.31.53
